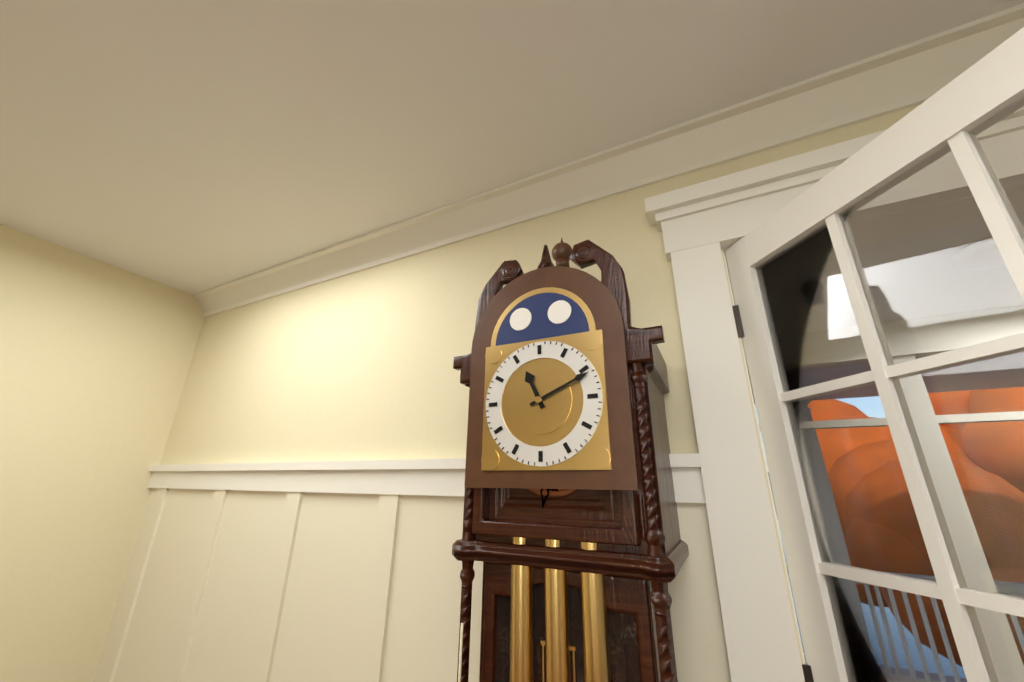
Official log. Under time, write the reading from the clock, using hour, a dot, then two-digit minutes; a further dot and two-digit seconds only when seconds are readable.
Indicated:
11.11
